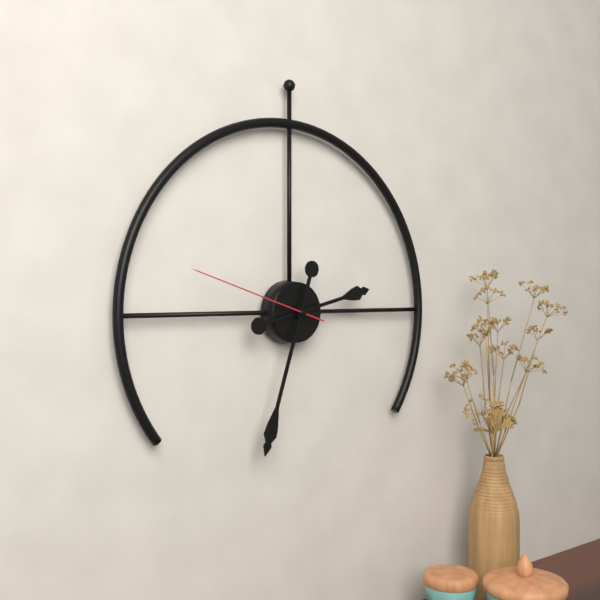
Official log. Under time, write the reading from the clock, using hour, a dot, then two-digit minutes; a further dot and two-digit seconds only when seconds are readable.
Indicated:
2.33.48
